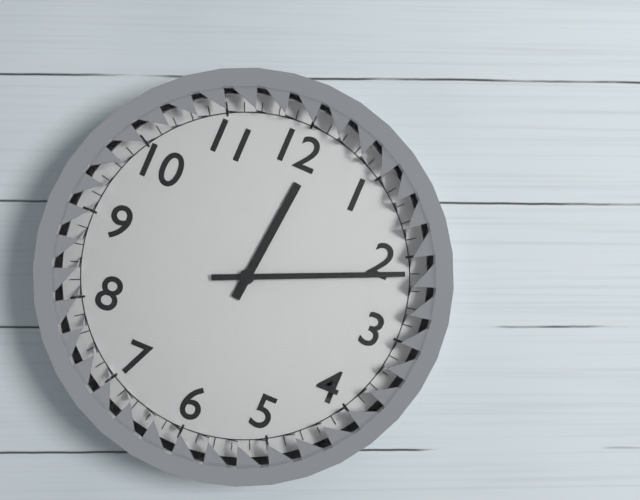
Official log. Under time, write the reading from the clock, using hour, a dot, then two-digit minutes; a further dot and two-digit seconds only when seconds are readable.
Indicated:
12.11
